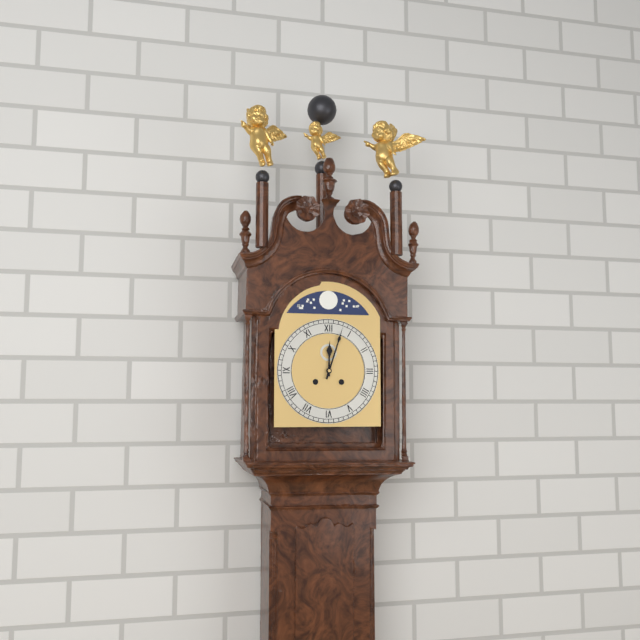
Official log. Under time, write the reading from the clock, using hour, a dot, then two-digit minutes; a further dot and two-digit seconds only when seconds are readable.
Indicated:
12.03
